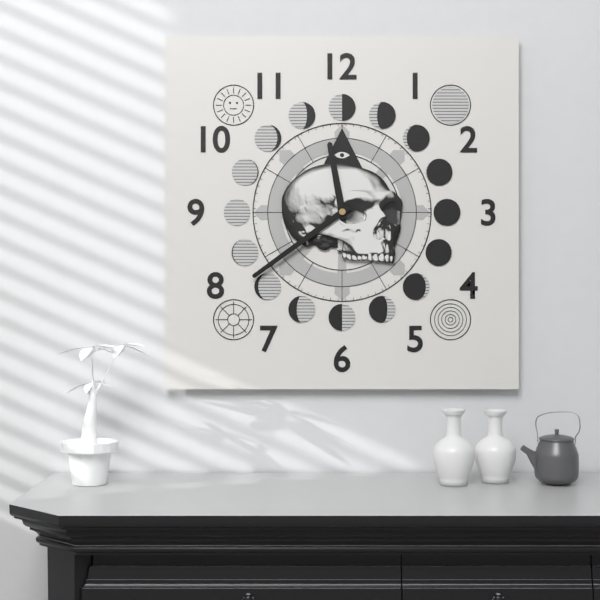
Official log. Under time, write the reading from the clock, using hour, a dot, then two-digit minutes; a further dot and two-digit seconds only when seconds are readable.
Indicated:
11.39
